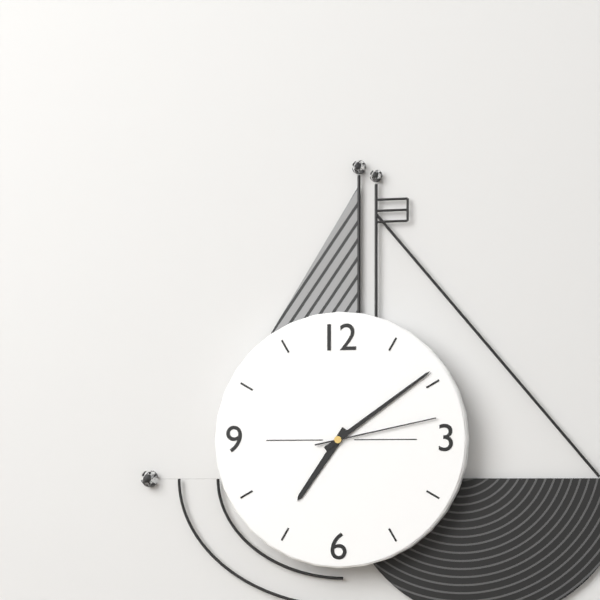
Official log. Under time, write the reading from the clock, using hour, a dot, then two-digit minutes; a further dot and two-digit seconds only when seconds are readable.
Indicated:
7.09.13
